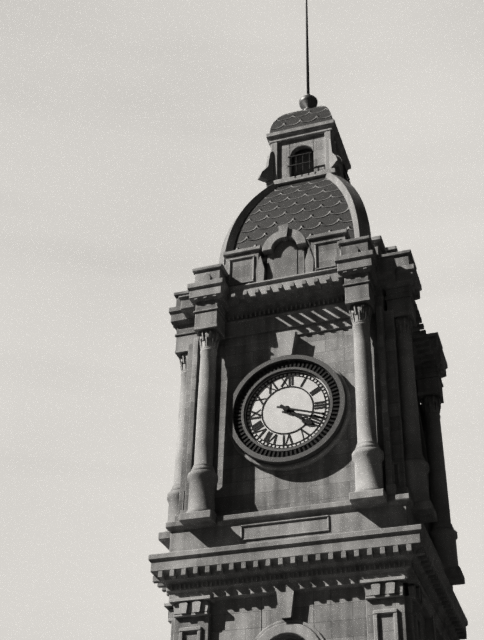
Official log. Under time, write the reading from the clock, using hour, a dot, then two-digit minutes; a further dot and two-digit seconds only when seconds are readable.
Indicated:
4.18
